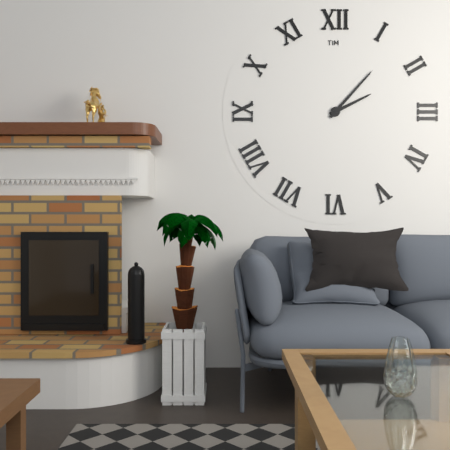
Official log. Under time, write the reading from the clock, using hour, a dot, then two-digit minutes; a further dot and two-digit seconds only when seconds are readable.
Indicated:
2.07
